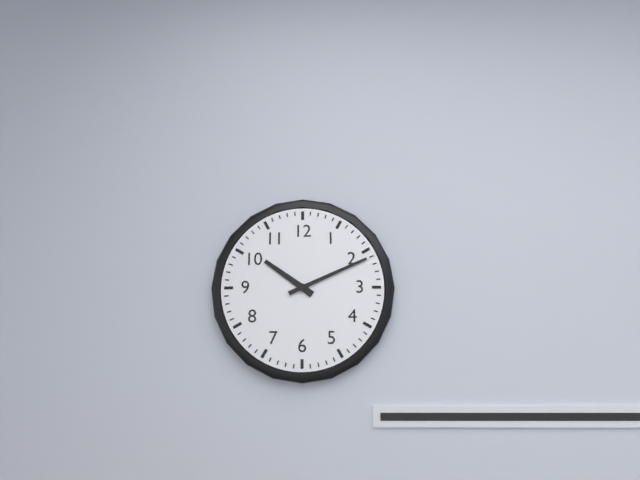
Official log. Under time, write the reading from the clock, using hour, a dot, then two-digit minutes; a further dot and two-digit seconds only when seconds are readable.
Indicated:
10.11
